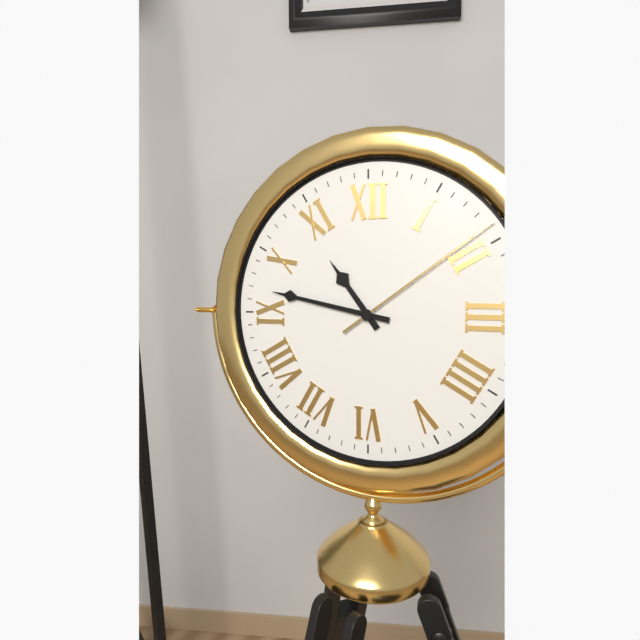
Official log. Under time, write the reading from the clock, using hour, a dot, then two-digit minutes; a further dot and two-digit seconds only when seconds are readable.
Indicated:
10.47.09
